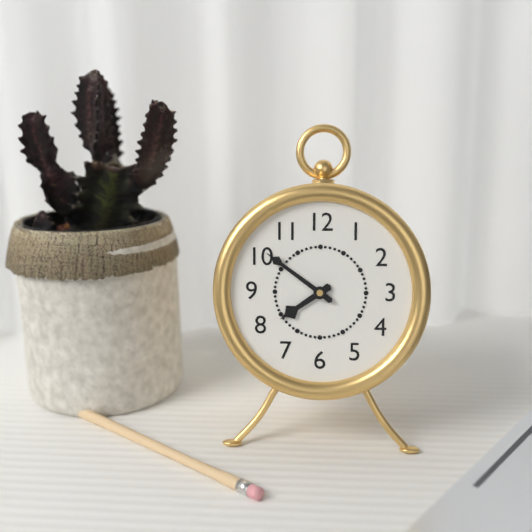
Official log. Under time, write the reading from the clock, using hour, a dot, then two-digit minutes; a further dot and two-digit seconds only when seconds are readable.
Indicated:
7.51
